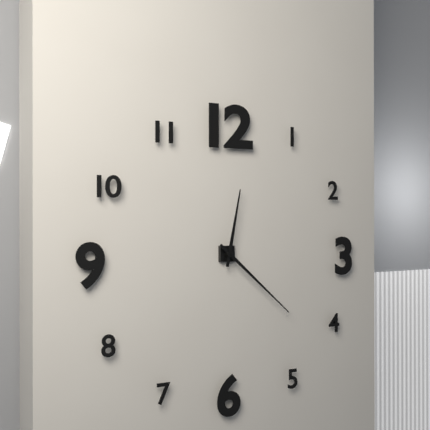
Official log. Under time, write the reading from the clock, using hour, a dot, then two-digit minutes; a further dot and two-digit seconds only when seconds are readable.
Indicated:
12.22
